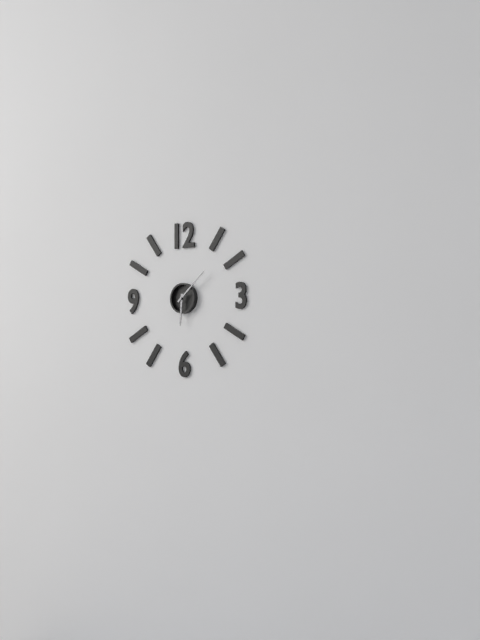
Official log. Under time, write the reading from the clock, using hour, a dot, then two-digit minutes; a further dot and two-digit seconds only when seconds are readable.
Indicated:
6.08
